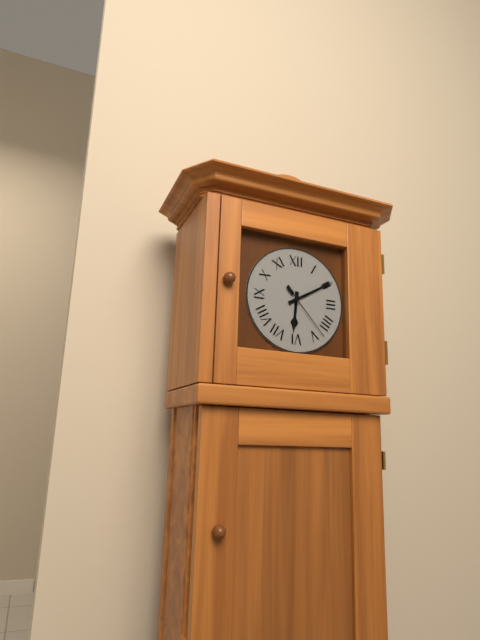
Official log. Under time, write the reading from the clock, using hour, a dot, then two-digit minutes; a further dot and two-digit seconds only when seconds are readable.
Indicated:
6.10.23
